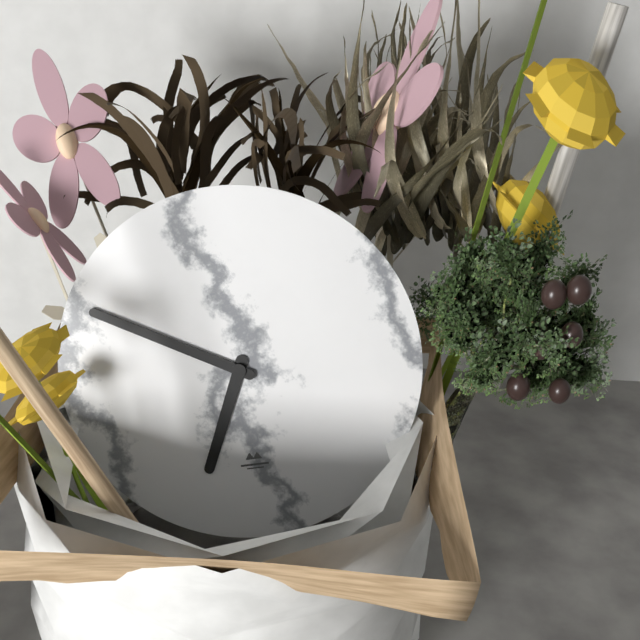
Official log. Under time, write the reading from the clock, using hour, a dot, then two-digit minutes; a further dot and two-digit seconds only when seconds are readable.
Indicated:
6.50
